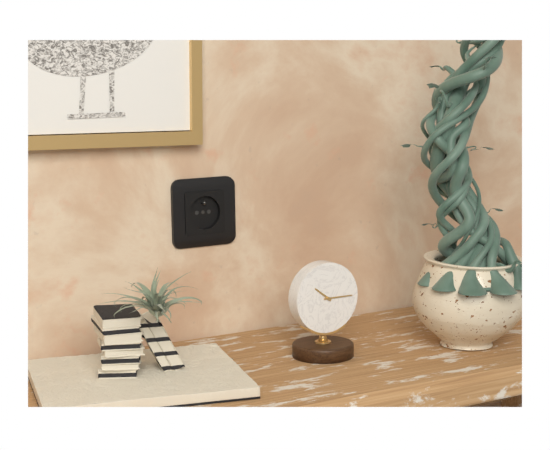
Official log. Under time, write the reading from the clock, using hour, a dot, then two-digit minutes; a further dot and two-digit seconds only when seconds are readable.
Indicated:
10.15
